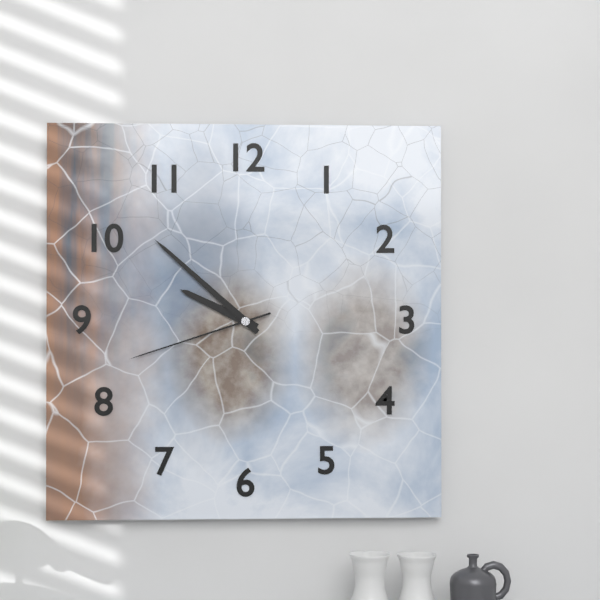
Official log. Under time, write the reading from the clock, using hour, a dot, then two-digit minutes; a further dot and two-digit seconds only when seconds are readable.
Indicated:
9.52.42
